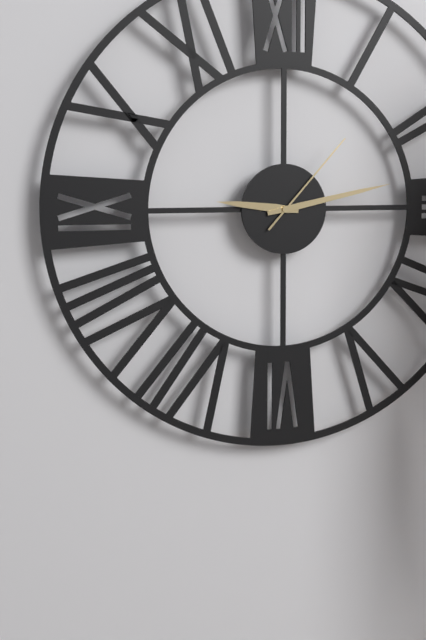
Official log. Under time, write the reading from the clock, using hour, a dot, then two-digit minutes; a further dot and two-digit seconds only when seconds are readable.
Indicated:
9.13.07
